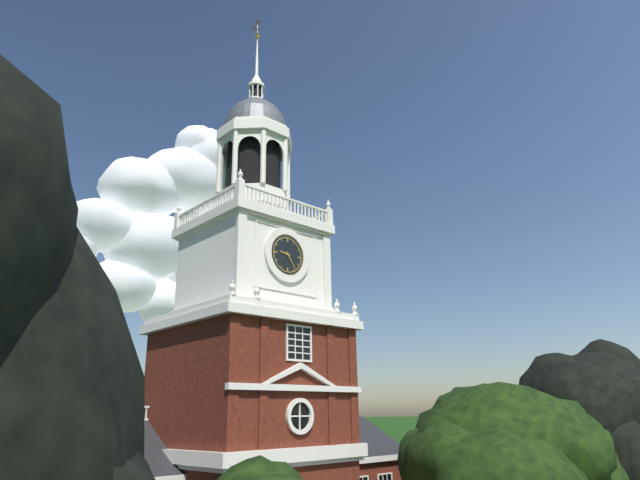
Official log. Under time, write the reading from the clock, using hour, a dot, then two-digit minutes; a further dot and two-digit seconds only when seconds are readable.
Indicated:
9.24
